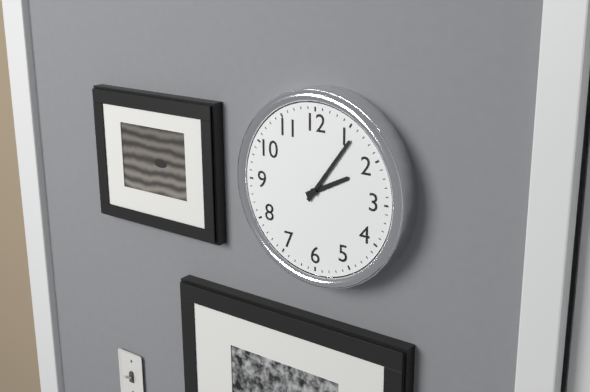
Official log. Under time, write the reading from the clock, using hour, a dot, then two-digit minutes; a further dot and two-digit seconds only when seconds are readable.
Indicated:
2.06
